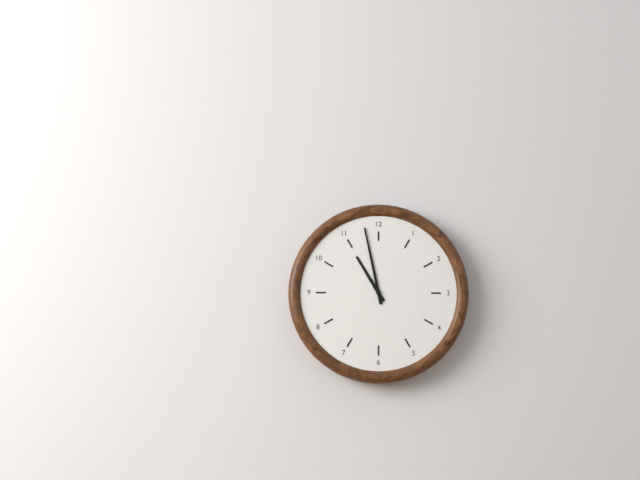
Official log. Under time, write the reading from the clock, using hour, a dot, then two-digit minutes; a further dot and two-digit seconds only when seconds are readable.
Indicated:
10.58
